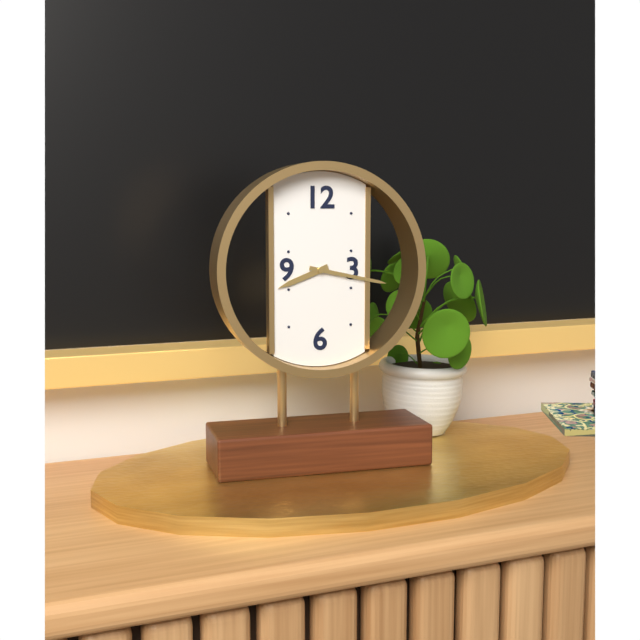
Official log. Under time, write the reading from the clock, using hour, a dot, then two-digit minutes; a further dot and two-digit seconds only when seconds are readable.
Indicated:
8.17
